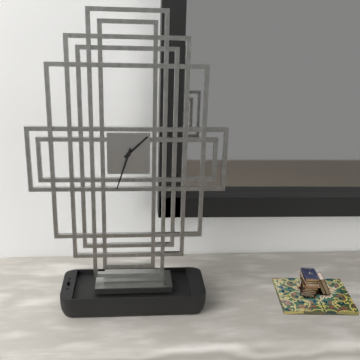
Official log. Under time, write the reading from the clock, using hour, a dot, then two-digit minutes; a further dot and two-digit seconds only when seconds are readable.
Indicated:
1.33
